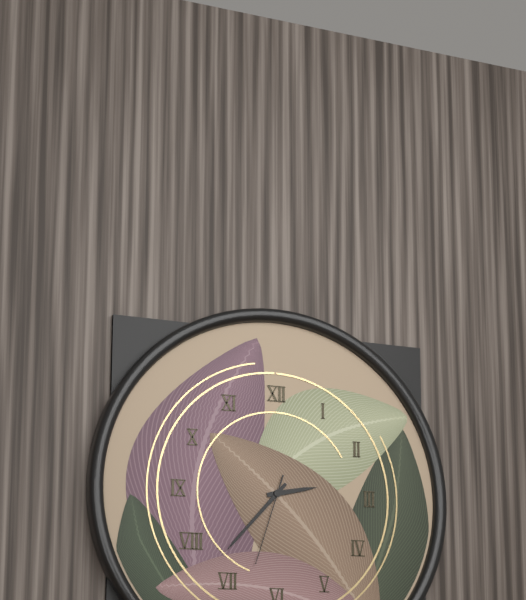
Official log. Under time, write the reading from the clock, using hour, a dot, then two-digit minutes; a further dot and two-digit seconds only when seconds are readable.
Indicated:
2.37.33
